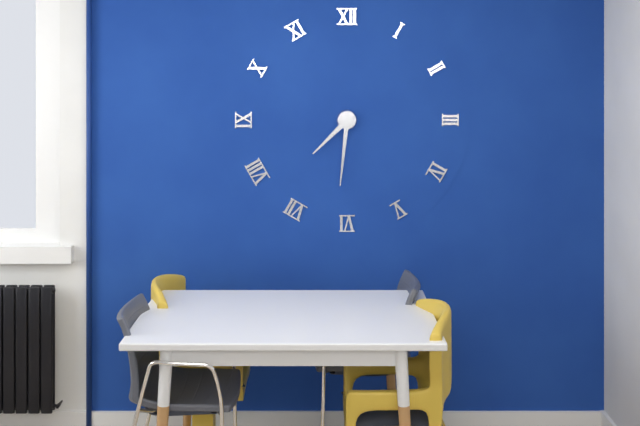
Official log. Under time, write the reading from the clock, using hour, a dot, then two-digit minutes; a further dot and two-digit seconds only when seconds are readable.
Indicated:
7.31
